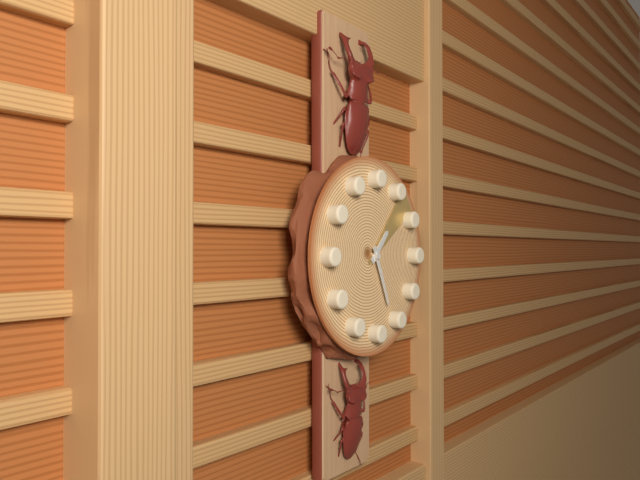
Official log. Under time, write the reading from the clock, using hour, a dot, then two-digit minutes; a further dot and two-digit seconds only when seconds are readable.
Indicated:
1.26.08
